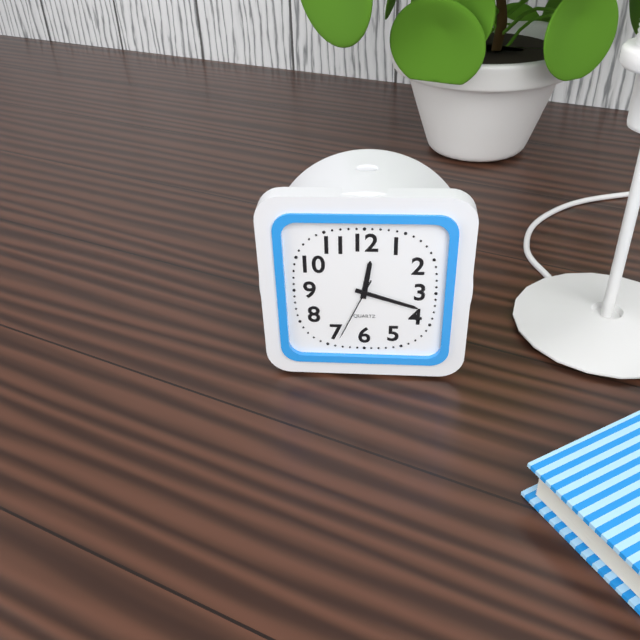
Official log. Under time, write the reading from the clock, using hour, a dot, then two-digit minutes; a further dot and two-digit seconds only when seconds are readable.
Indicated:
12.18.34
